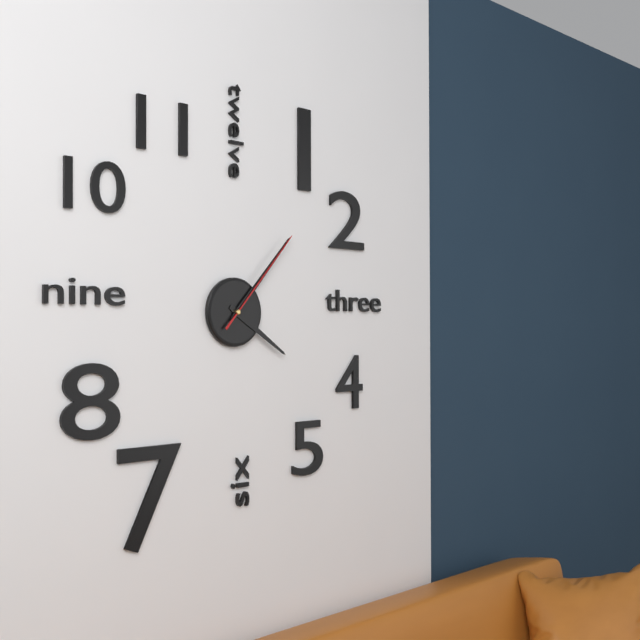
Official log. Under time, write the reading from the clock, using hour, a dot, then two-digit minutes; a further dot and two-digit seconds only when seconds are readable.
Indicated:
4.07.07
